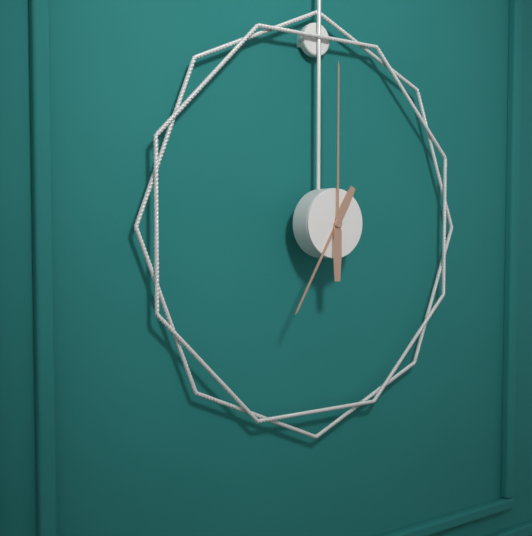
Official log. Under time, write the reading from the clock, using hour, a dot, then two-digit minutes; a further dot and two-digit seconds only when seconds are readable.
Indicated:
7.00
